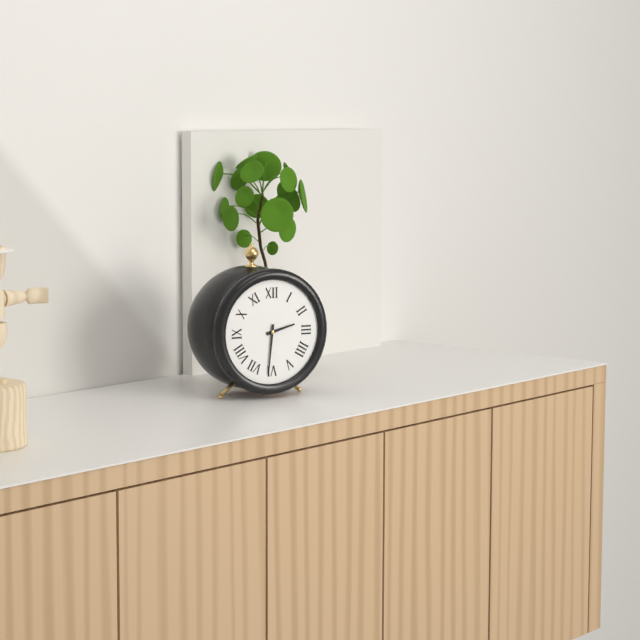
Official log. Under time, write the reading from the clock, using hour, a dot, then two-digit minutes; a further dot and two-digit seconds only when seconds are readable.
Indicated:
2.31
